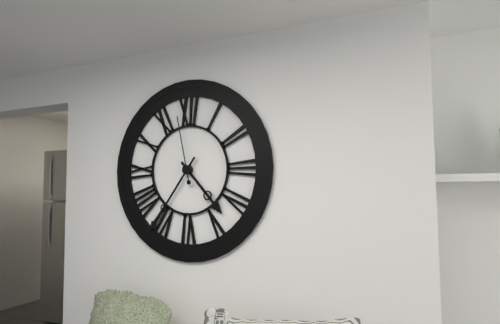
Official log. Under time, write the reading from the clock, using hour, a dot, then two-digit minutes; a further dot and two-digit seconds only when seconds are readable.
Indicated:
4.36.58
